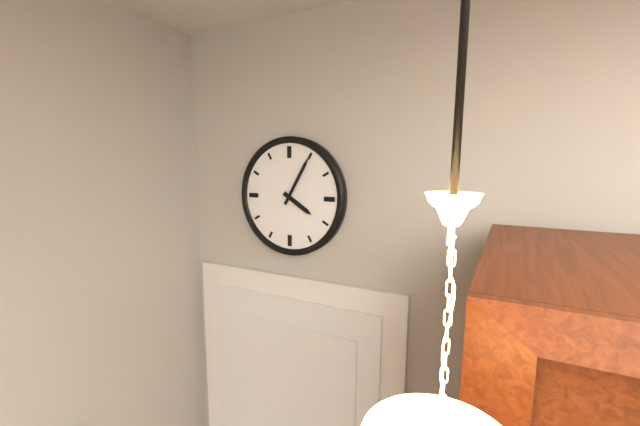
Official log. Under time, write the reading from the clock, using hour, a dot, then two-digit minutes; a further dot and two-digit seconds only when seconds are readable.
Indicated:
4.05
